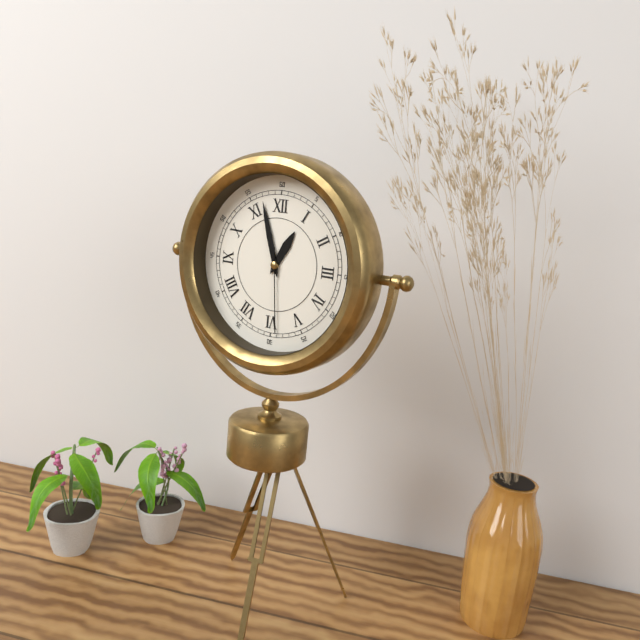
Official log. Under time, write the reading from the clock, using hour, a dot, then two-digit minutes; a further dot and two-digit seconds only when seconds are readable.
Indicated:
12.57.29
